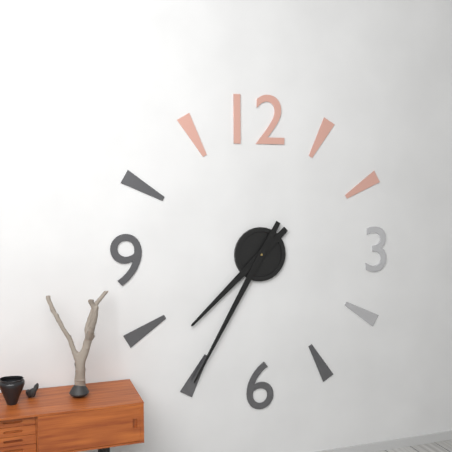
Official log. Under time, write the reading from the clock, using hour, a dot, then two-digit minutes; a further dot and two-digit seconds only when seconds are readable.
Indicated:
7.35
